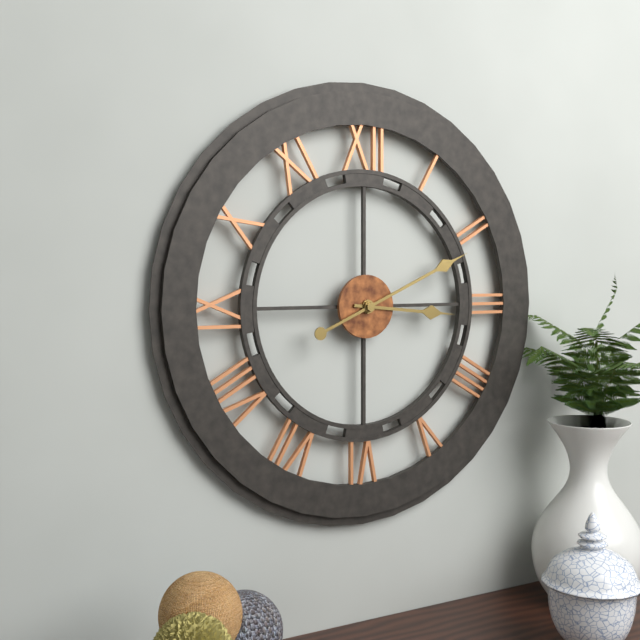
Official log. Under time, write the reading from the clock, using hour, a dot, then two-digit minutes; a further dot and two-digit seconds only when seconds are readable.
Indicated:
3.11
